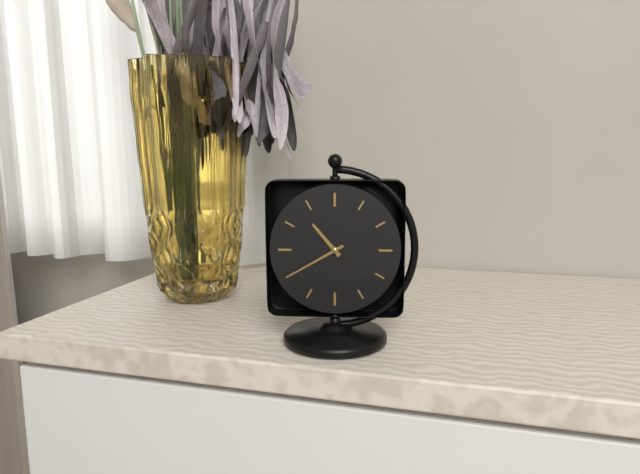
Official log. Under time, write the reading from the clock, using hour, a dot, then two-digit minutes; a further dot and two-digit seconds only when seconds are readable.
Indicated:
10.40
